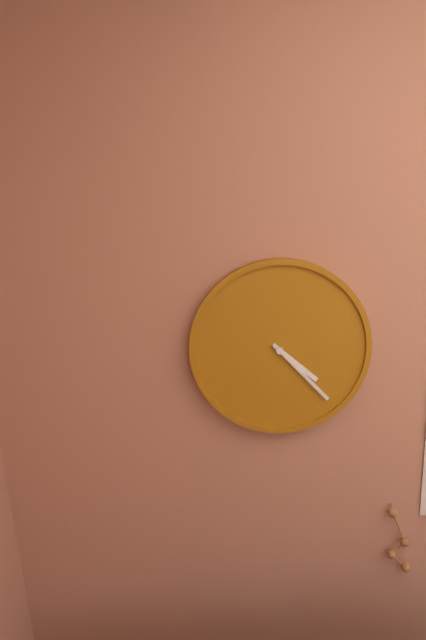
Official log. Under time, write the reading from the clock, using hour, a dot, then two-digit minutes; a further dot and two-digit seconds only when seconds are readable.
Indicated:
4.23
